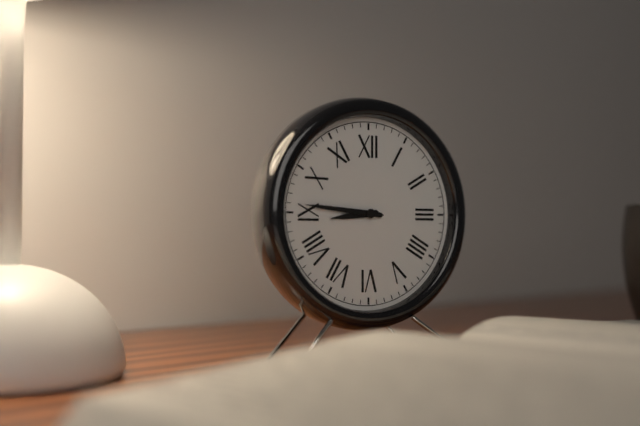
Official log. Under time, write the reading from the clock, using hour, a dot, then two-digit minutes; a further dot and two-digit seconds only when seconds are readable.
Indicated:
8.46
